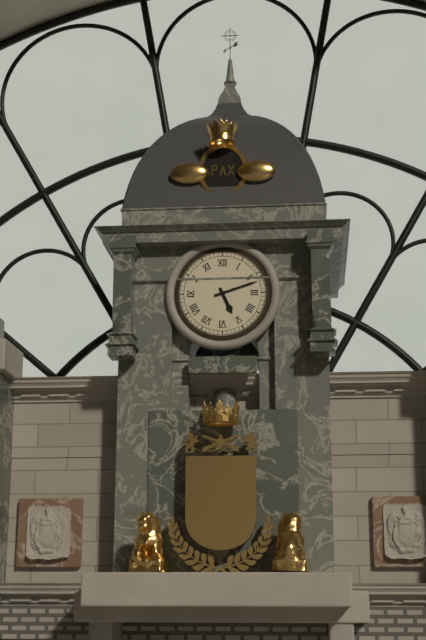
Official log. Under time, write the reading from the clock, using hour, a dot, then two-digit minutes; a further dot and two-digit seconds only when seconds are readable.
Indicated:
5.12
